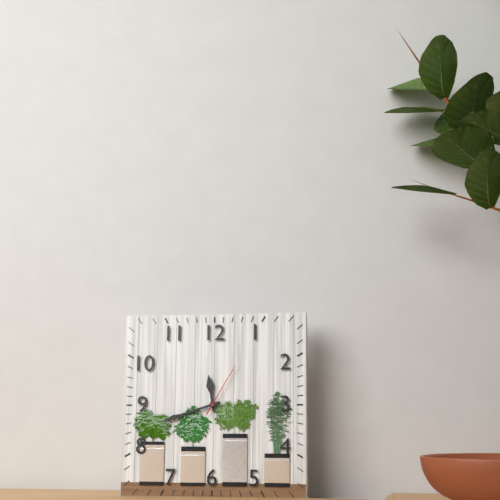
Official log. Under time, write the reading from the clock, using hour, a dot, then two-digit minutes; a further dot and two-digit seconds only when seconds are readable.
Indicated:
11.42.05
